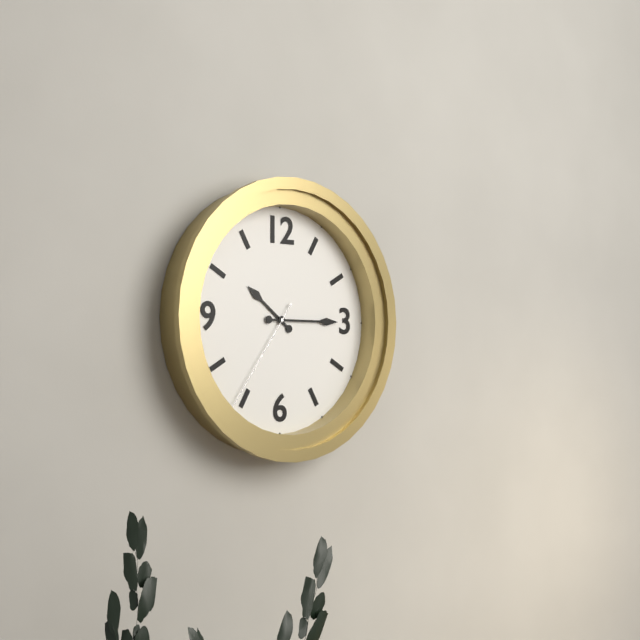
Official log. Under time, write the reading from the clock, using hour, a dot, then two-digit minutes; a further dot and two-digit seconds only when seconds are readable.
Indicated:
10.15.36
